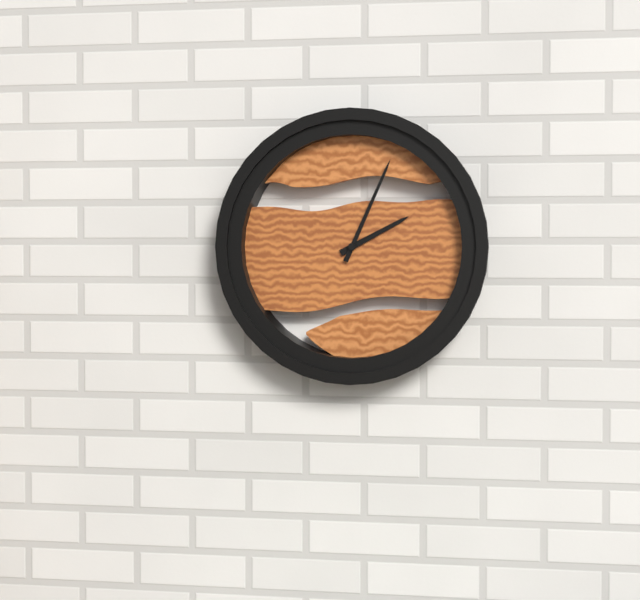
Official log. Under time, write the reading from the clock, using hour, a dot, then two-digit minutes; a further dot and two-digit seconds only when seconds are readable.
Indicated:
2.04
